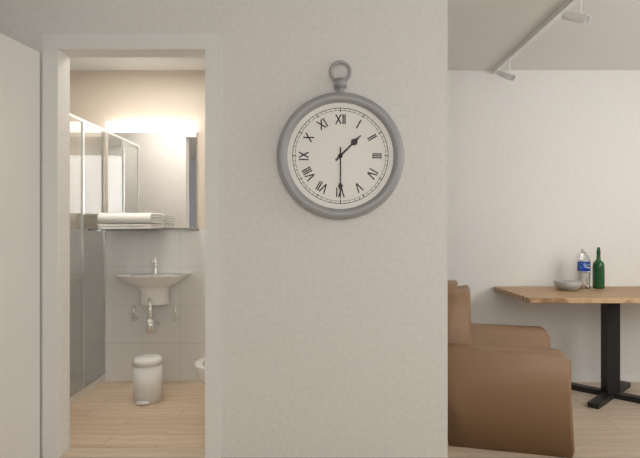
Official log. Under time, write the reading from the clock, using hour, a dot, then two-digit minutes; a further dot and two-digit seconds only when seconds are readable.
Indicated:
1.30
